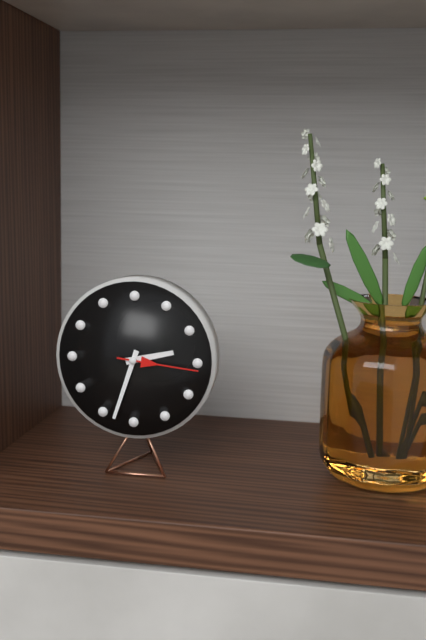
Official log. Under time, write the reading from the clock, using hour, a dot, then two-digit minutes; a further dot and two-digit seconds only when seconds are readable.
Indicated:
2.33.16
